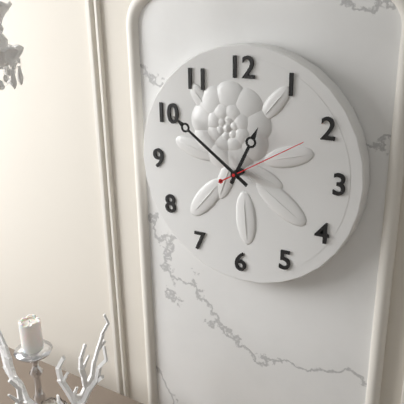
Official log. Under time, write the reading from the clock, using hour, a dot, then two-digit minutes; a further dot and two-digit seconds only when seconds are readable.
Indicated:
12.51.10
